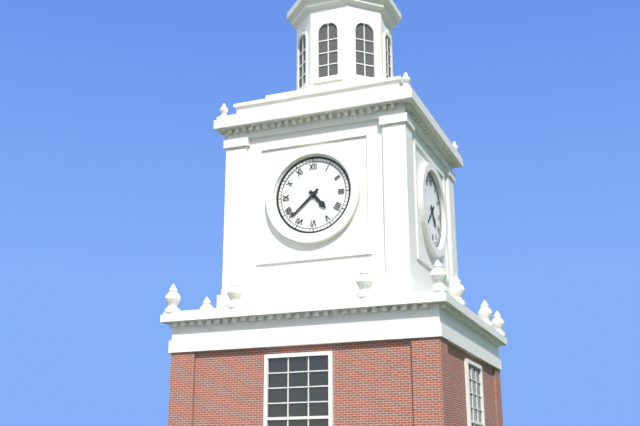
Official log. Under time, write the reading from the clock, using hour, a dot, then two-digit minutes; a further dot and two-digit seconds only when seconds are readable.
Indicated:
4.38
